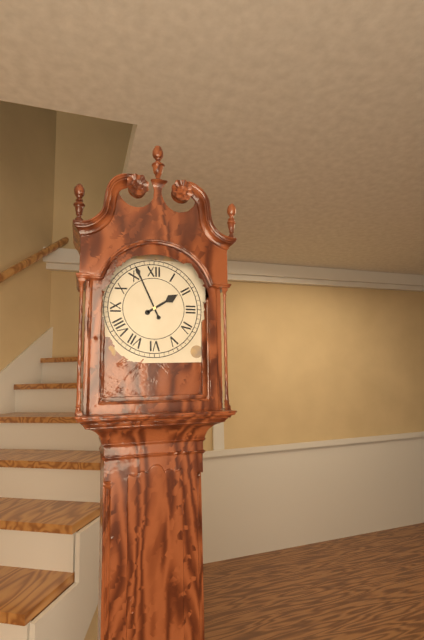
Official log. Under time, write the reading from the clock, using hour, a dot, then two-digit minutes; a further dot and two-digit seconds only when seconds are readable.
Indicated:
1.56
